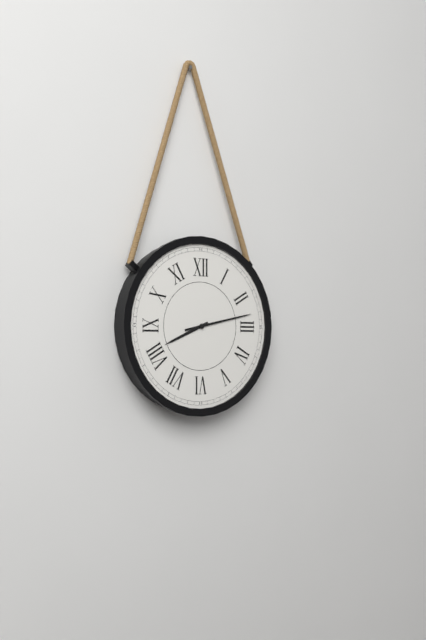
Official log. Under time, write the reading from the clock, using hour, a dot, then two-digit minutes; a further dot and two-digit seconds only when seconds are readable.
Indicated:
8.13
